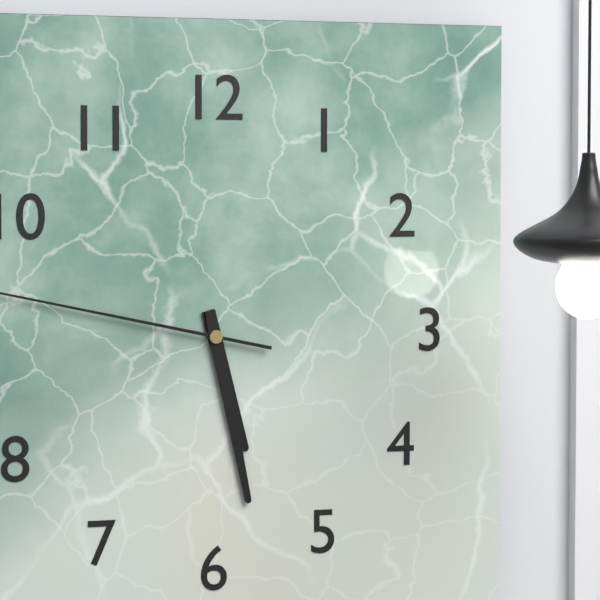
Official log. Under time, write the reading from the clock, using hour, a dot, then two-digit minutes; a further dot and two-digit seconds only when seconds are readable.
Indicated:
5.28
